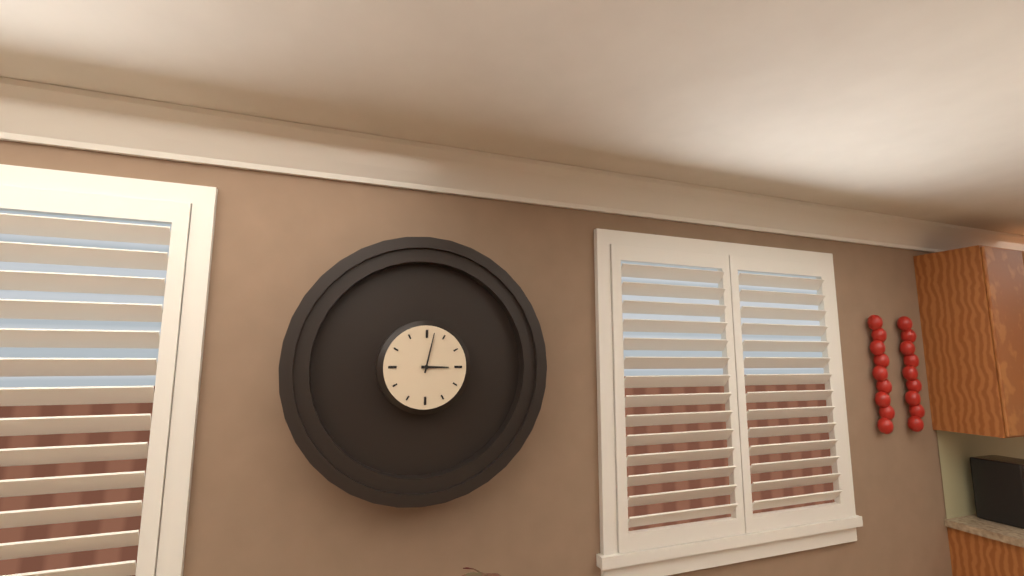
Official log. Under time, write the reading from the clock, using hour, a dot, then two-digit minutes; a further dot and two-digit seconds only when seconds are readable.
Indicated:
3.02
